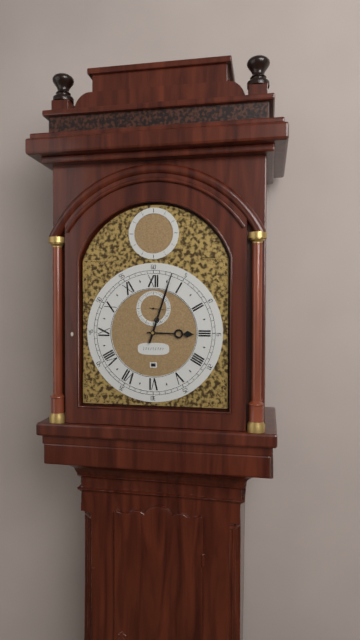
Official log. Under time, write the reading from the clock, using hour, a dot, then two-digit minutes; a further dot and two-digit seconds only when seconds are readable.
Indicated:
3.03
